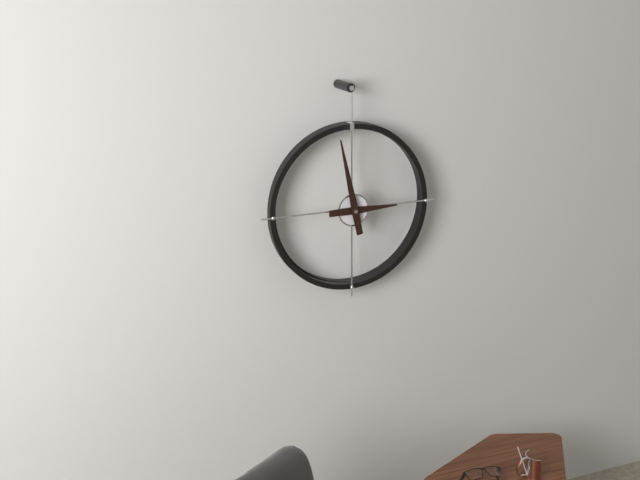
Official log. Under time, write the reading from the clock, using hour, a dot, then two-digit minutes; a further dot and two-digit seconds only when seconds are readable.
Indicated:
2.58
